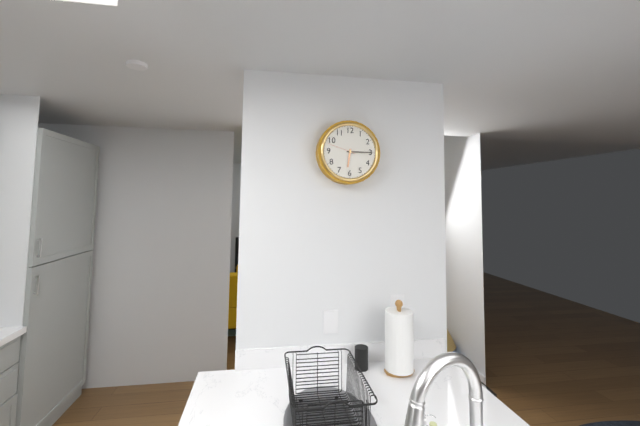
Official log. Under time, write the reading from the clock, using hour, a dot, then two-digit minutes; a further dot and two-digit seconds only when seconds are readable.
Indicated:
6.15
